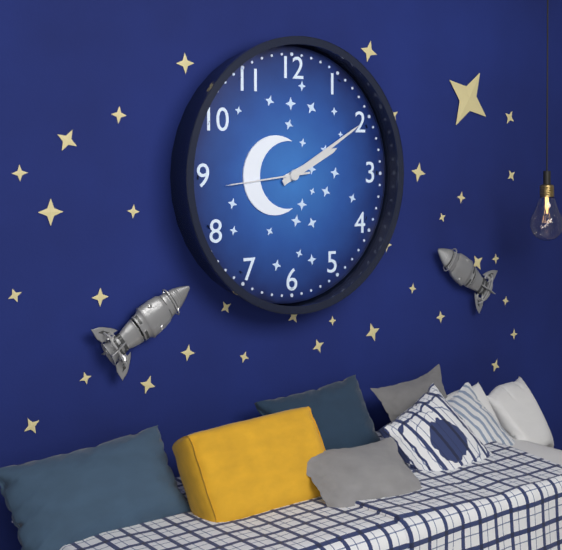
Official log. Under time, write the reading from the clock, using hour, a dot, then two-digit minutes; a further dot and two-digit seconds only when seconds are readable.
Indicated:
2.10.44
